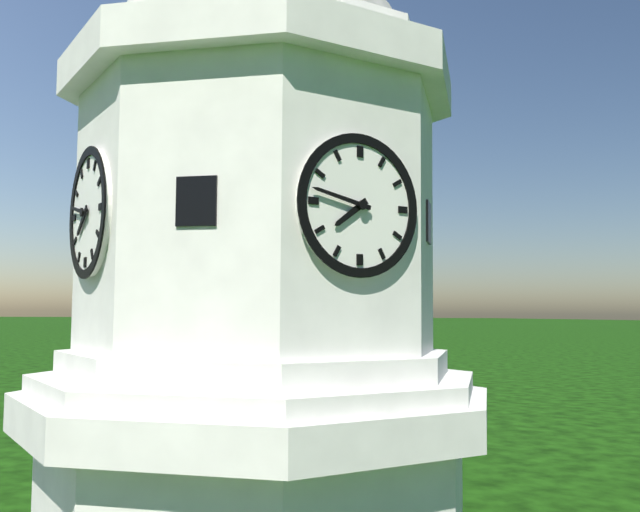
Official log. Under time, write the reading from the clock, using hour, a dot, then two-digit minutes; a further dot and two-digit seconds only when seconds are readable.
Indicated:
7.47
